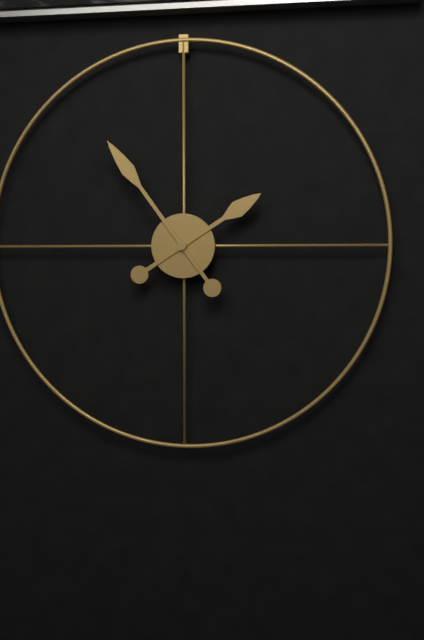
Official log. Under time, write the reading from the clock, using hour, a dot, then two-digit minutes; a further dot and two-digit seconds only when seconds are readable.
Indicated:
1.54
